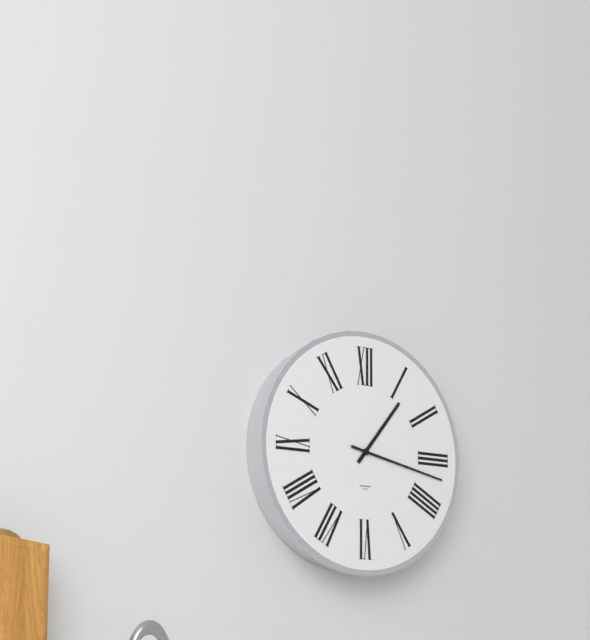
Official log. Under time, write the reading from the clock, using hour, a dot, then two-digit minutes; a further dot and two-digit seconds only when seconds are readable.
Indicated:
1.17
